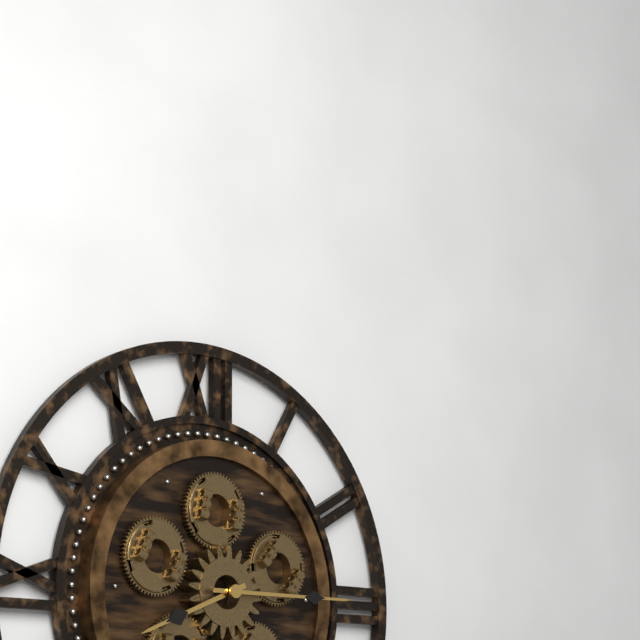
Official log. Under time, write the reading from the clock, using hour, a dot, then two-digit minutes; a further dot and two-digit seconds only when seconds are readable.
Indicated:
8.15
